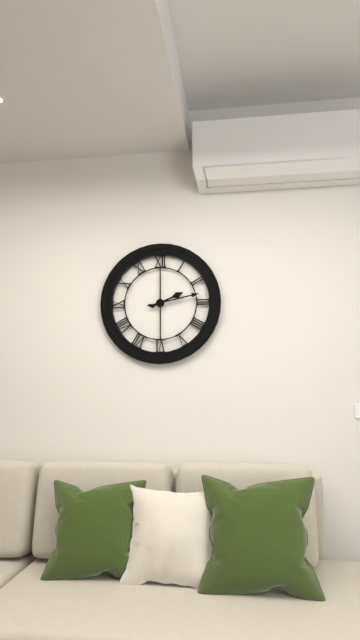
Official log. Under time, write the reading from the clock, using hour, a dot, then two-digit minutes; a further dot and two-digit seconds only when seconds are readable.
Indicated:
2.13
